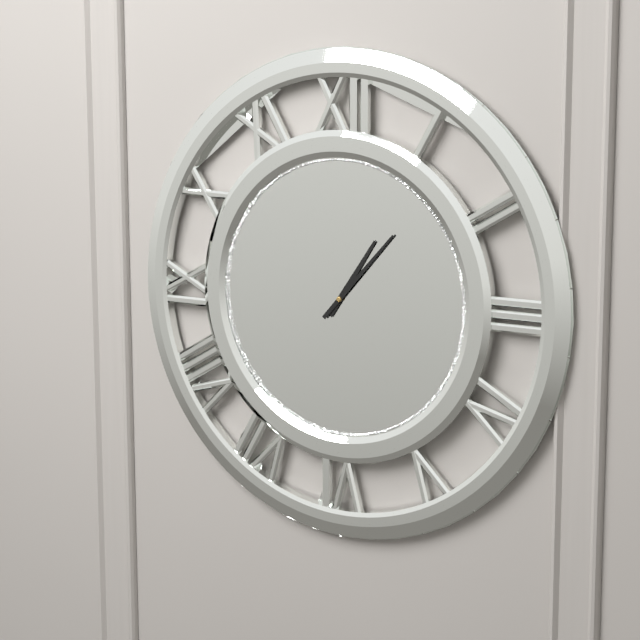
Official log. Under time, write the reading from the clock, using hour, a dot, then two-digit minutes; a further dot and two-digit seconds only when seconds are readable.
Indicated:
1.07
